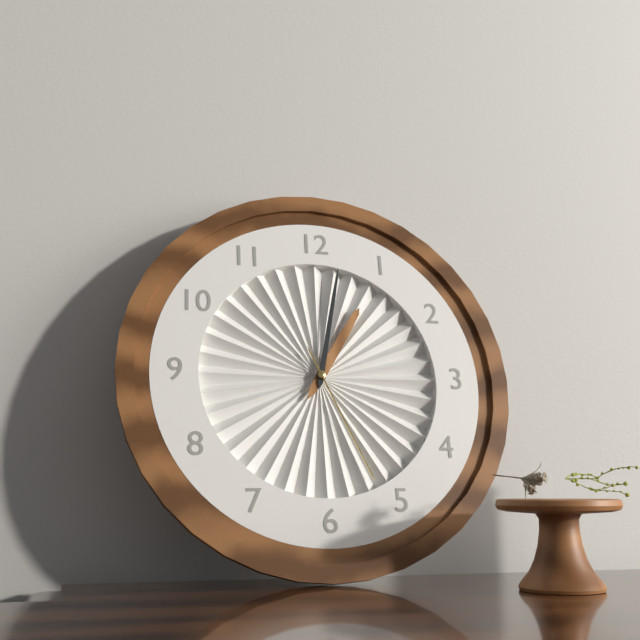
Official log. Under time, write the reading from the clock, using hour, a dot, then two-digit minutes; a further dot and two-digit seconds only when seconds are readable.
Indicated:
1.02.26
